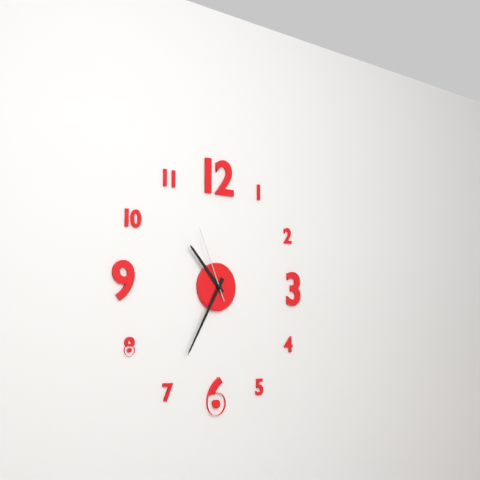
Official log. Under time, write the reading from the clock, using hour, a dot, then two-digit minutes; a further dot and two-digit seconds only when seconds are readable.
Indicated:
10.35.56
